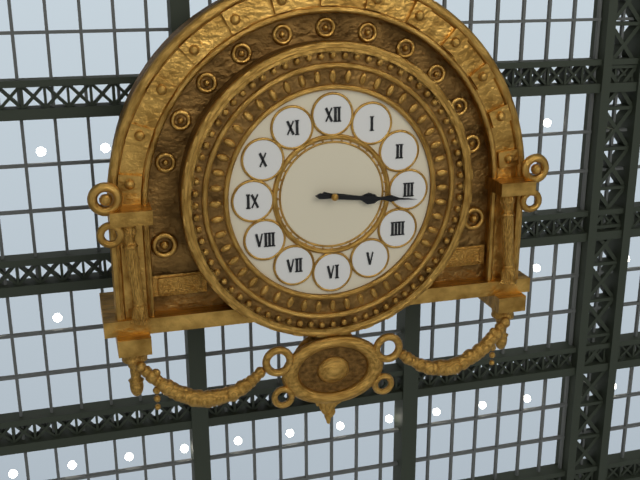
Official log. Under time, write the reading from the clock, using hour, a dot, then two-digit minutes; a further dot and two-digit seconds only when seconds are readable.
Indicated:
3.16
